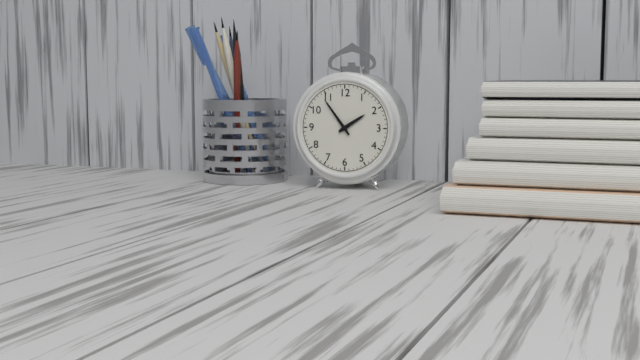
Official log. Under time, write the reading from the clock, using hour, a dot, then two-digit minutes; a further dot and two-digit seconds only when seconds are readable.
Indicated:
1.54
